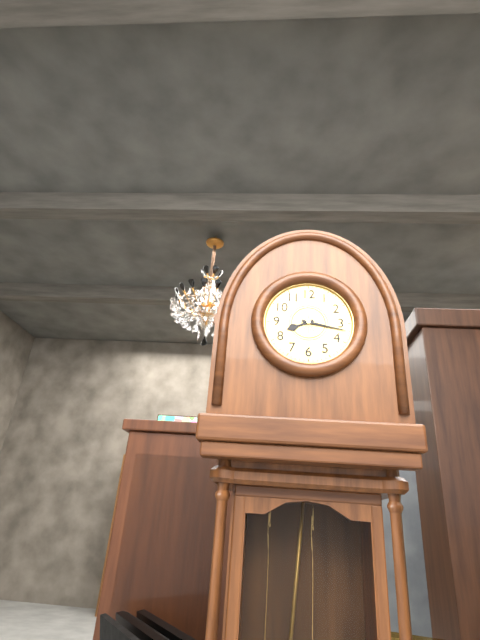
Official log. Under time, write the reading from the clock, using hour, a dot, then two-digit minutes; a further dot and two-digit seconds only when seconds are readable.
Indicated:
8.17
